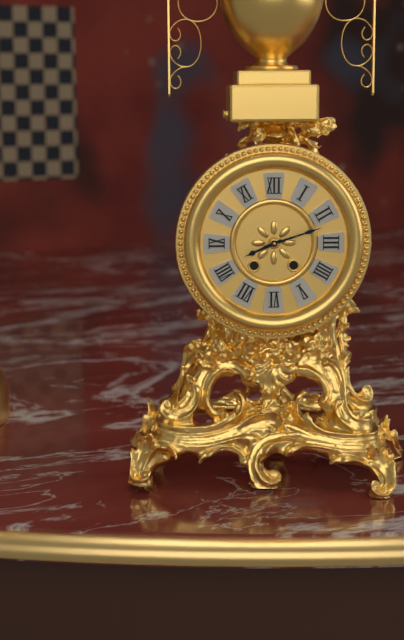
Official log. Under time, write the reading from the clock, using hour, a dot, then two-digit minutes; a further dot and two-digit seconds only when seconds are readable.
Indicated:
8.12
